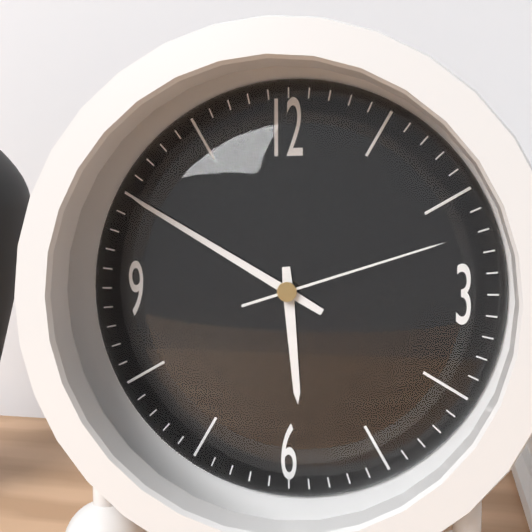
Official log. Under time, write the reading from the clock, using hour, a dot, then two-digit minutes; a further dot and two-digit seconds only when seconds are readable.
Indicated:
5.50.12
